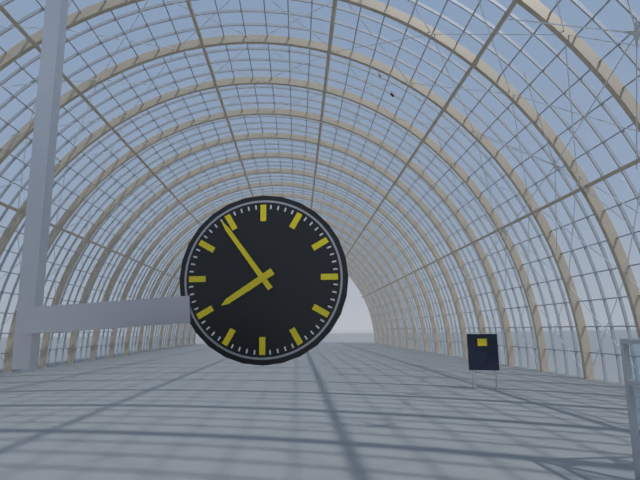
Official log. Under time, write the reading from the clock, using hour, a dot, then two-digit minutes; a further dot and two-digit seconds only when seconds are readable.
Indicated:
7.54
